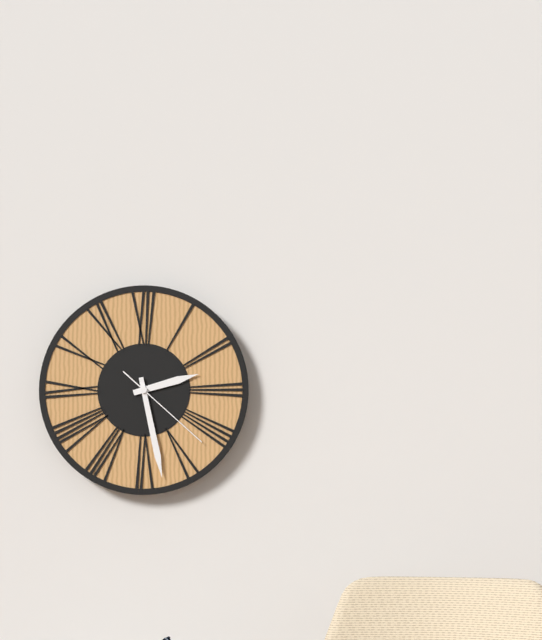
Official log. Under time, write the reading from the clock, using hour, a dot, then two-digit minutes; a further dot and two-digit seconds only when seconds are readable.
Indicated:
2.28.22
